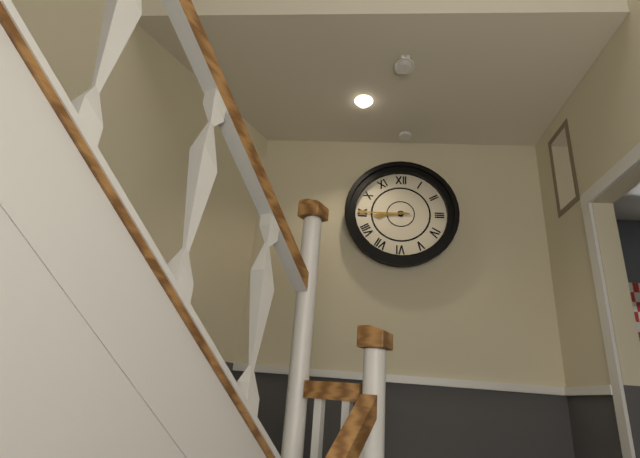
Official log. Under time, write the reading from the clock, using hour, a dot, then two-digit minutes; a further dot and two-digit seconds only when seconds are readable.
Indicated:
8.45
